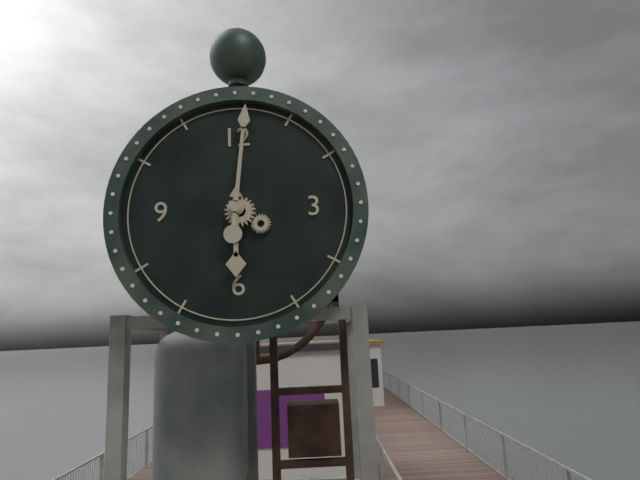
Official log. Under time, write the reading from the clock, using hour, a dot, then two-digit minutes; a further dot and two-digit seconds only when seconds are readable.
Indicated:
6.01
